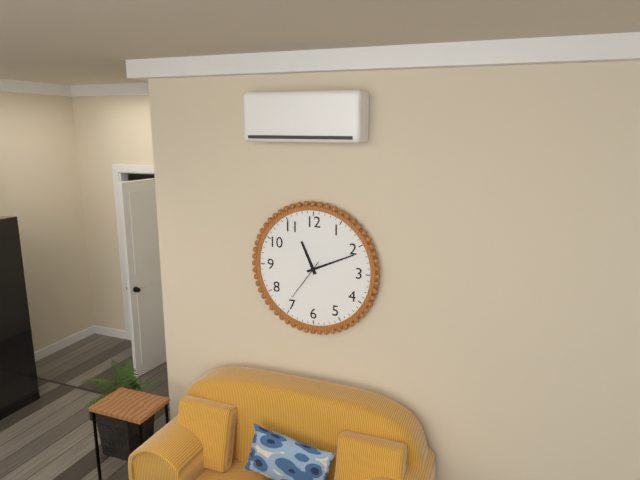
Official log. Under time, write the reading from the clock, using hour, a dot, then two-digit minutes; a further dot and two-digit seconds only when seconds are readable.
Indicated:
11.11
